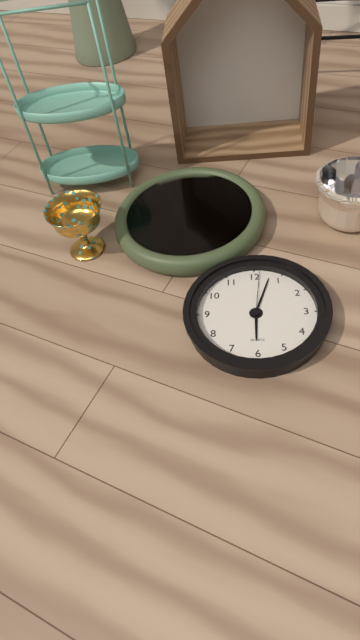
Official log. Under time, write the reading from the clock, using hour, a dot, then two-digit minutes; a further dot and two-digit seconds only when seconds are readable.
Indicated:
6.03.01
